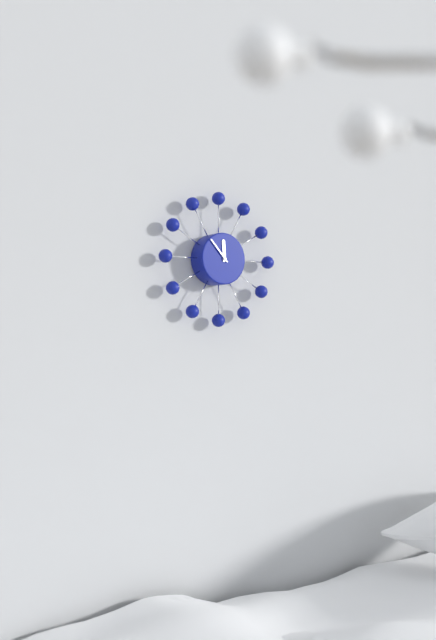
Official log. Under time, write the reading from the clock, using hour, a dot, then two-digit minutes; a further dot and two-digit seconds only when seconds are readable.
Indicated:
11.53
